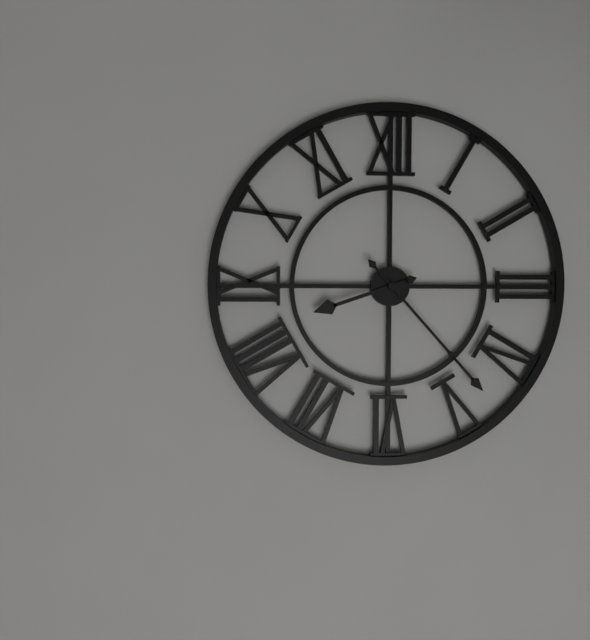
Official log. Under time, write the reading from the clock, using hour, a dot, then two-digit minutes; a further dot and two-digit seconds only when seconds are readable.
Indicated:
8.23
